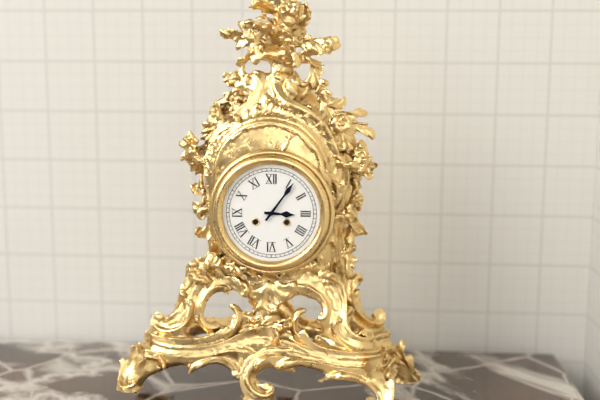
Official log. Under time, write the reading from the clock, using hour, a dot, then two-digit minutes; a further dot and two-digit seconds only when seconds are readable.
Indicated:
3.06
